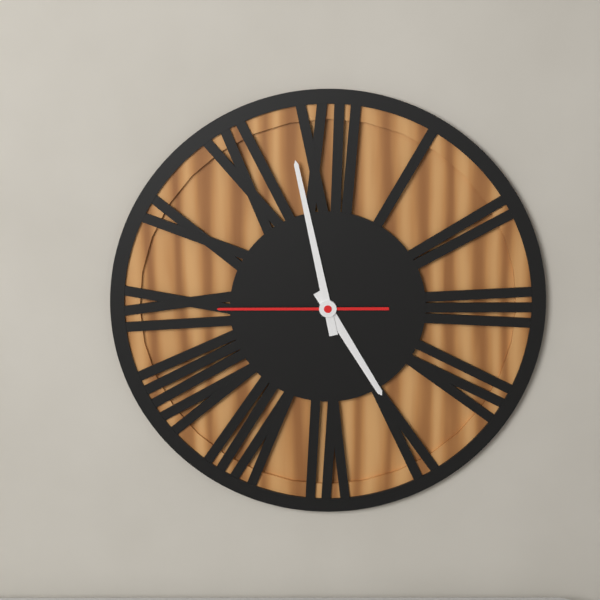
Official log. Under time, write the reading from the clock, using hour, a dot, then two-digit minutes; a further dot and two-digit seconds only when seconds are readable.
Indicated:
4.58.45
